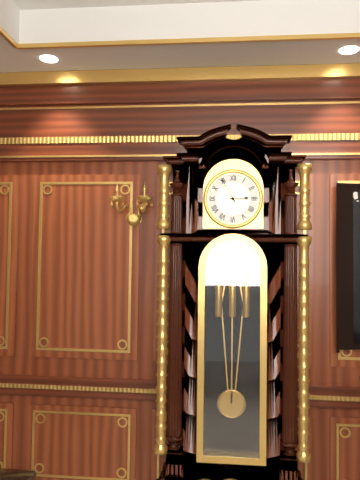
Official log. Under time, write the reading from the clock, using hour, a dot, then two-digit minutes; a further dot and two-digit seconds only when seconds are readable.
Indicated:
2.55
